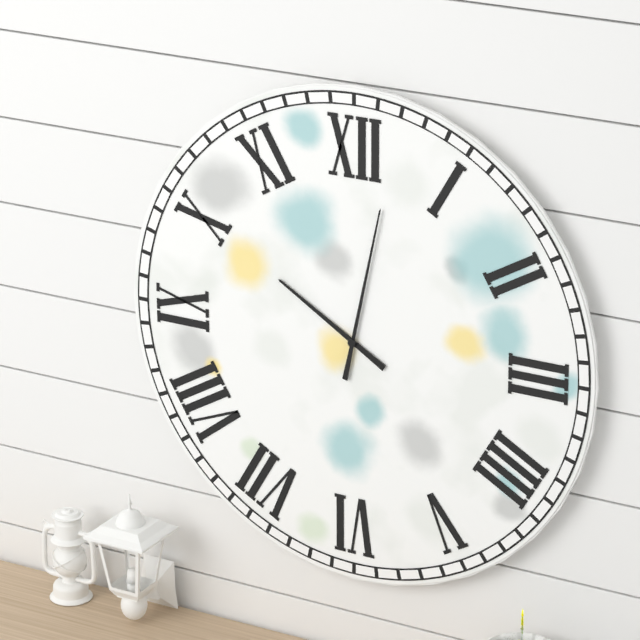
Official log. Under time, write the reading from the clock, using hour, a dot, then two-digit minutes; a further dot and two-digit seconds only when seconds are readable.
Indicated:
10.02
